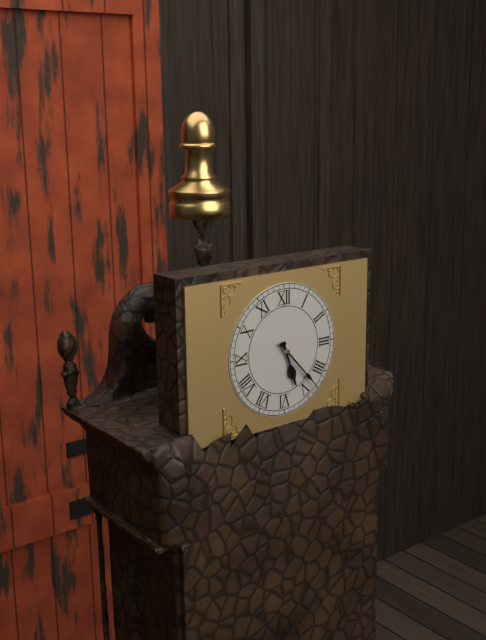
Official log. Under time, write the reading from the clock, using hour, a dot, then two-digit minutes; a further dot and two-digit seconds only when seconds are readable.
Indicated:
5.23
